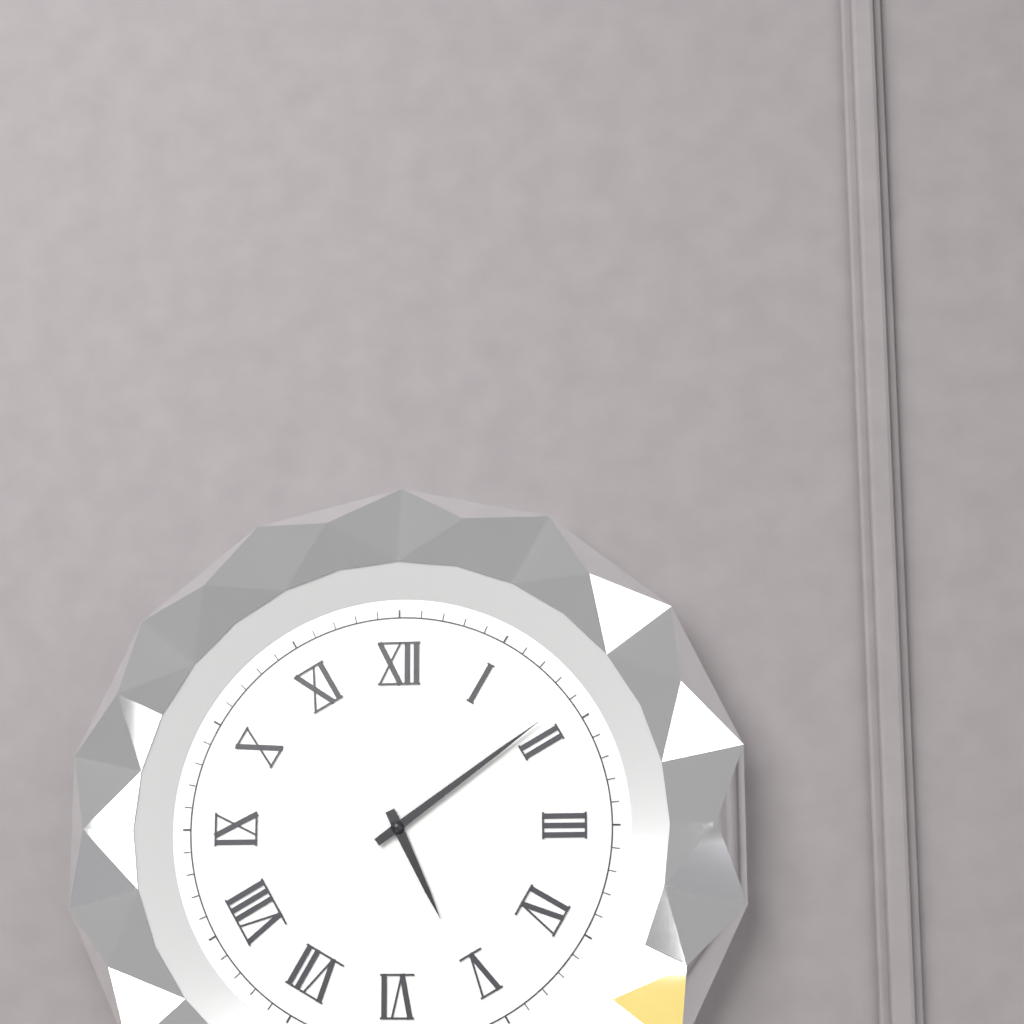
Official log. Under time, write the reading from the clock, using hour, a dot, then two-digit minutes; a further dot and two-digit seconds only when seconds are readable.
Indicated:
5.09
